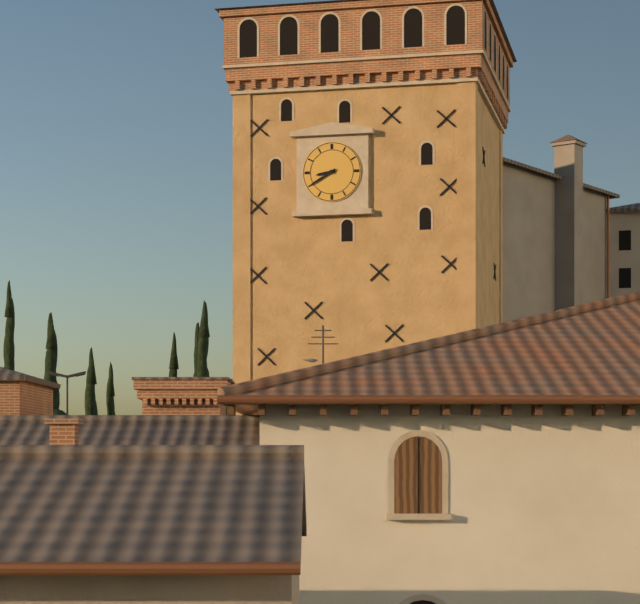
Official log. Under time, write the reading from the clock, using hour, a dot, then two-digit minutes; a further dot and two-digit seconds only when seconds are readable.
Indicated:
8.40
